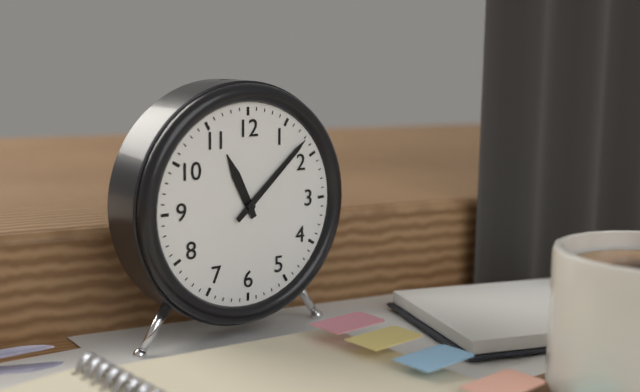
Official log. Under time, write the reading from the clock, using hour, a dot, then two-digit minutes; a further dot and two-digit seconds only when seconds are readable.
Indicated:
11.08
